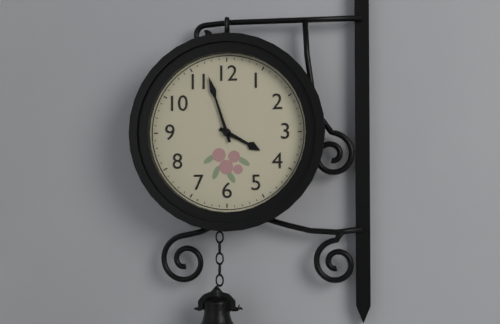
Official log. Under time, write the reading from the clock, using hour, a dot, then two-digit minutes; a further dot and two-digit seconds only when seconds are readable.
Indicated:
3.57
